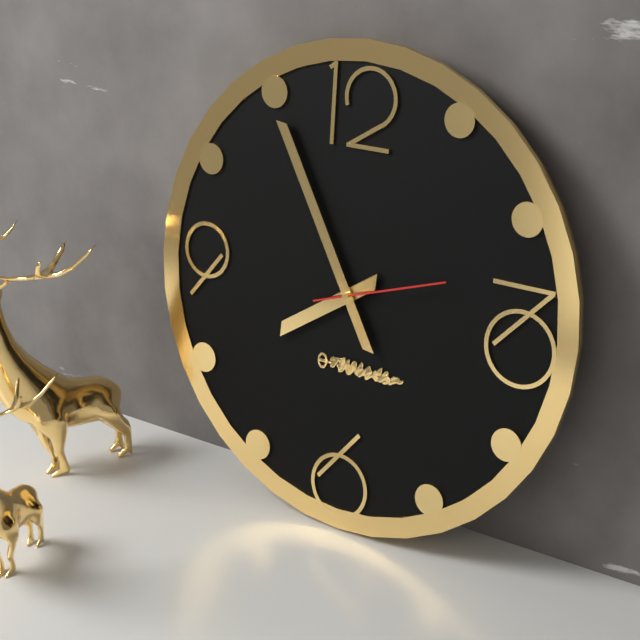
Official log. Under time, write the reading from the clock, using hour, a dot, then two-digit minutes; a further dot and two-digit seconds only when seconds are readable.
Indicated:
7.55.12
